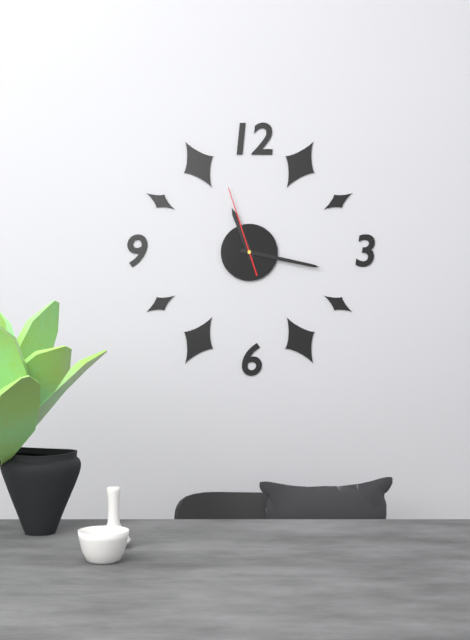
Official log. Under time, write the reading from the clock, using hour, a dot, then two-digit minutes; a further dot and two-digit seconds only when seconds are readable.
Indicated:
11.17.57
